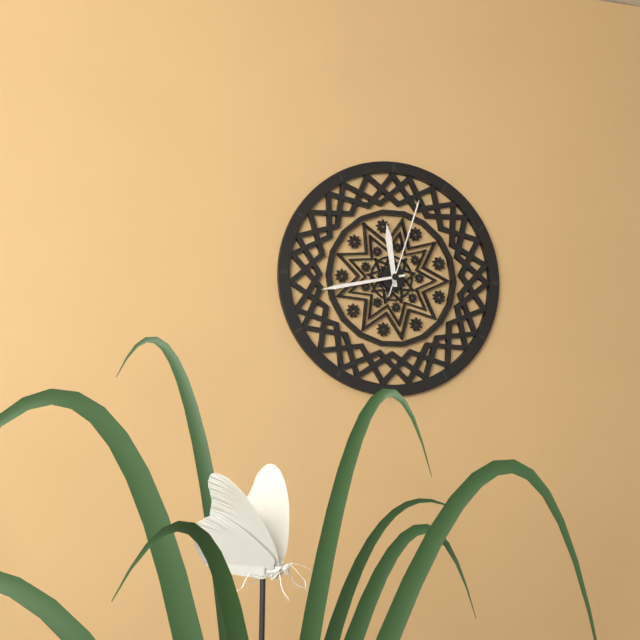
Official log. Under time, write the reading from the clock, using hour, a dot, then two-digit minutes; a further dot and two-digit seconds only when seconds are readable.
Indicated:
11.43.03
